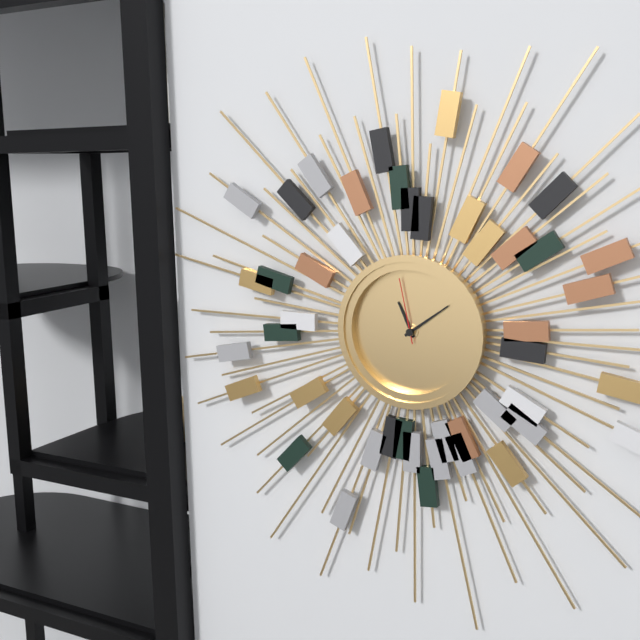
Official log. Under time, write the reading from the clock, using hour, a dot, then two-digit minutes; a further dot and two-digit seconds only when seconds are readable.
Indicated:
11.09.58
